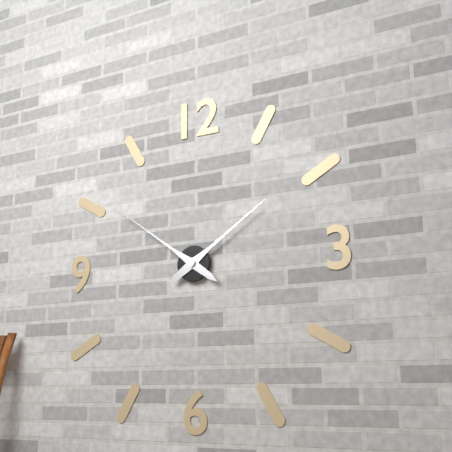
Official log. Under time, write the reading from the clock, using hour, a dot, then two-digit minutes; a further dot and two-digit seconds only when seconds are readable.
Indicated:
1.51
